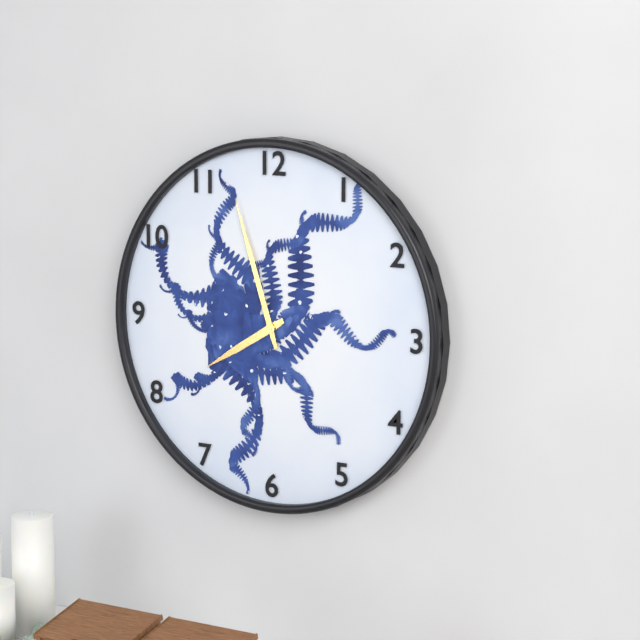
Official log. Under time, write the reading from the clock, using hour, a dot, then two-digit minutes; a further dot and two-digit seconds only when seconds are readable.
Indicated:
7.57
